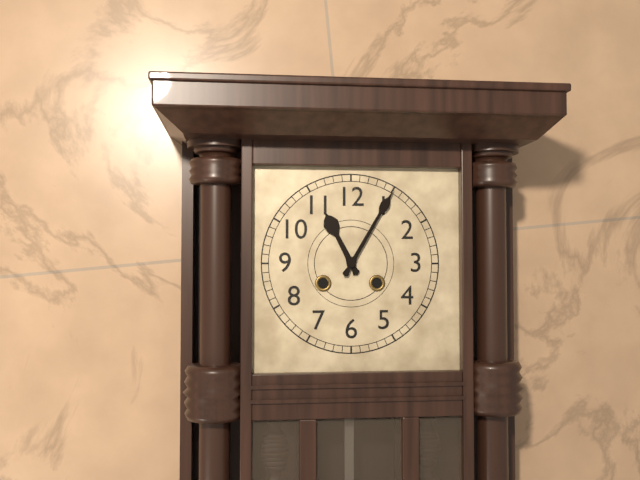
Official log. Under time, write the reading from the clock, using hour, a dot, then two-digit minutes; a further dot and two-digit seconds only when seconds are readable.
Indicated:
11.05
